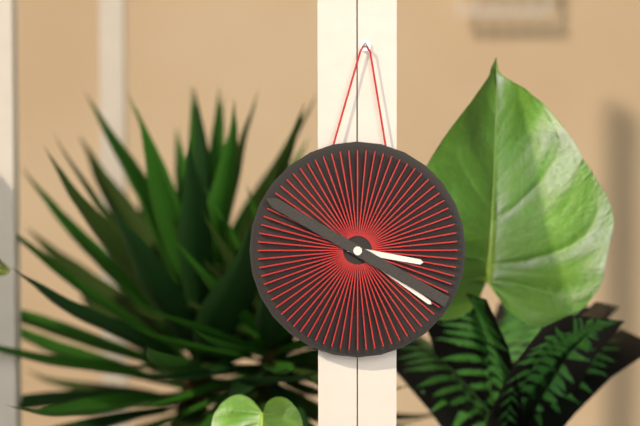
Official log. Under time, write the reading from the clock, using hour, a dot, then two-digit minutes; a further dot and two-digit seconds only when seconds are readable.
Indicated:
3.21.50
